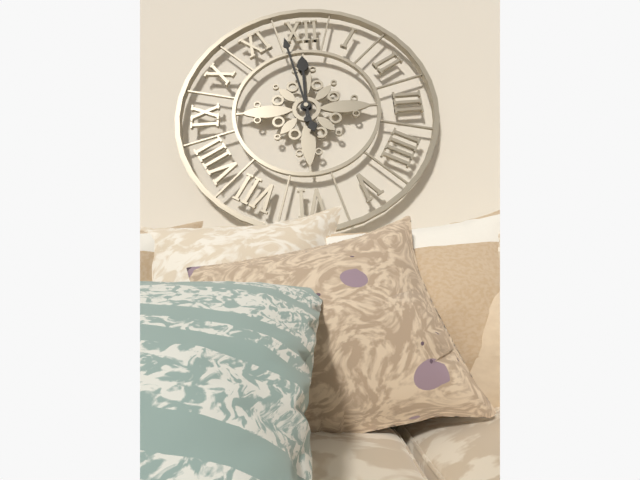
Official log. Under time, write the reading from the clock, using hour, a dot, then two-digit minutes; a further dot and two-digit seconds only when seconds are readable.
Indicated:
11.58
